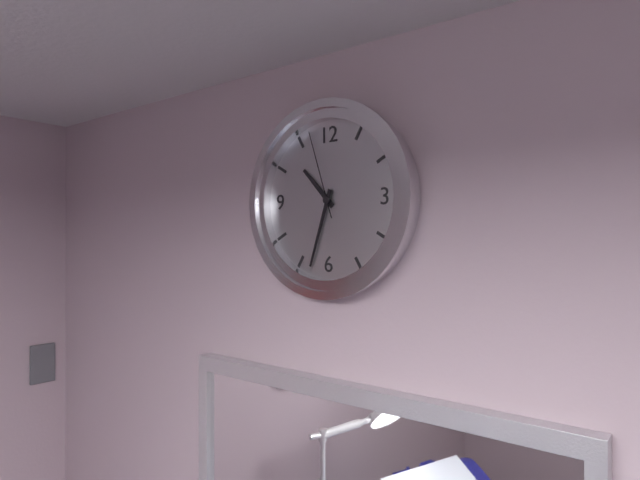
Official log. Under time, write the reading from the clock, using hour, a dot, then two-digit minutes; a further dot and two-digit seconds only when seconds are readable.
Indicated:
10.33.57
